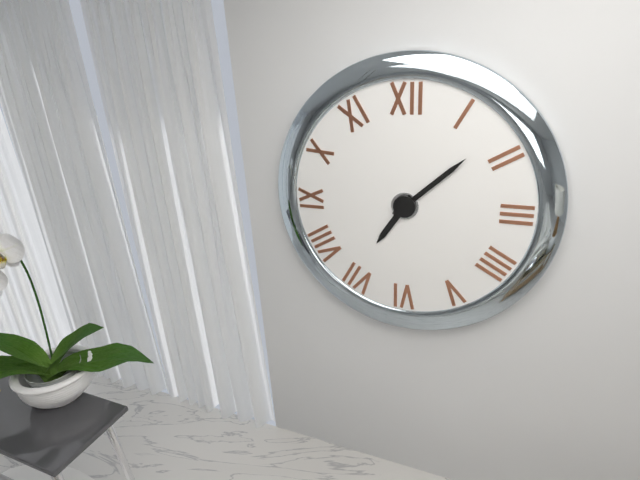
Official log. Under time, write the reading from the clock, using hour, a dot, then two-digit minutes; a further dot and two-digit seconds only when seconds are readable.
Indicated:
7.08
